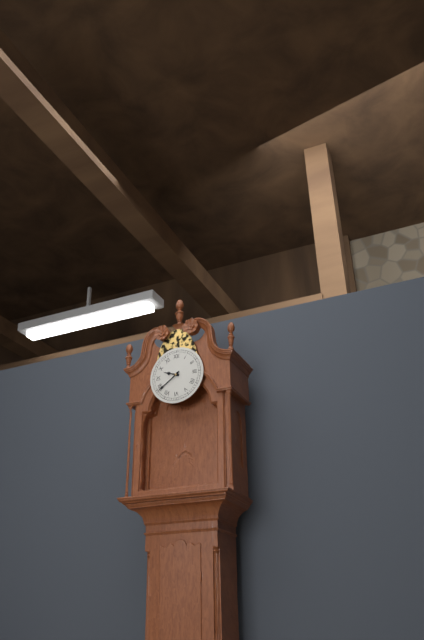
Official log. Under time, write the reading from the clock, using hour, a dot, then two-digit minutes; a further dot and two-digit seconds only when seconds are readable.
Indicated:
9.39
